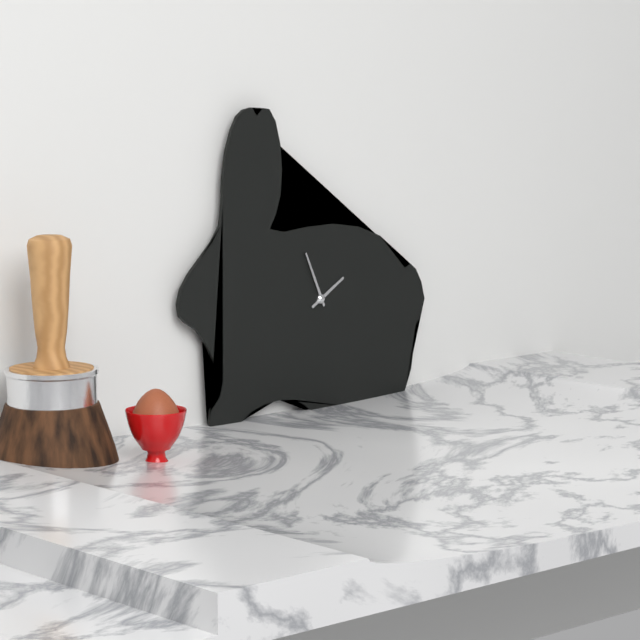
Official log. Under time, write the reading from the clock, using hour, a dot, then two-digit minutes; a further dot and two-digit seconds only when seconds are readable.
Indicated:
1.56
